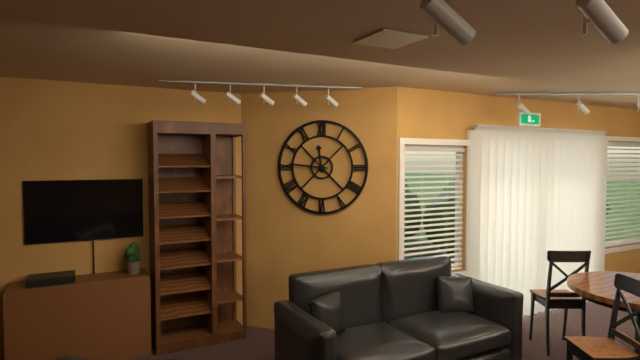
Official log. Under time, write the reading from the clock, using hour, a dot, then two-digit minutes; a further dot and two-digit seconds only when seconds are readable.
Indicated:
11.46
